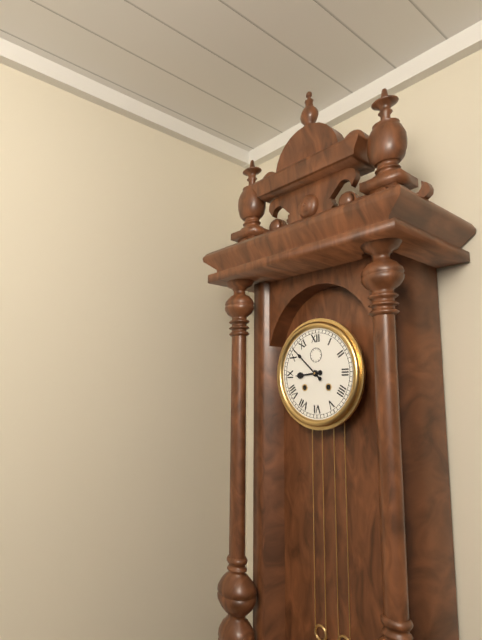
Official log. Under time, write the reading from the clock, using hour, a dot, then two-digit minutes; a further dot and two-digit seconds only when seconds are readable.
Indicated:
8.52
